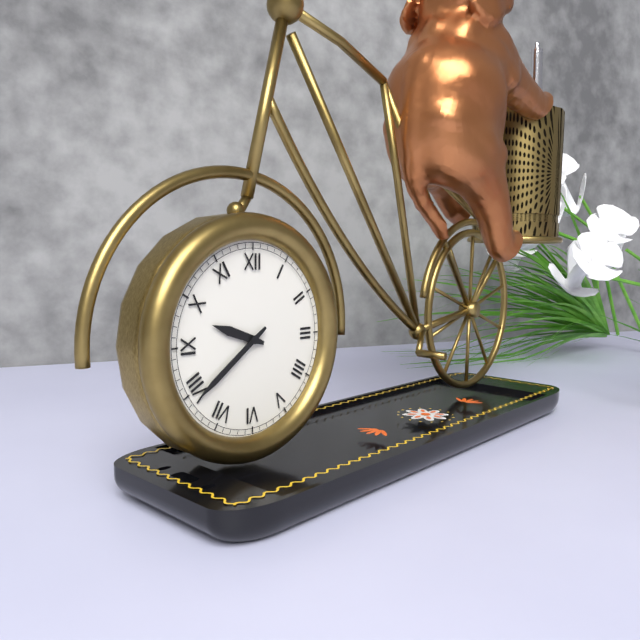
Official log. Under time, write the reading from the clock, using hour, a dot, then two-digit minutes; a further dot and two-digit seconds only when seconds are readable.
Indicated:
9.39
